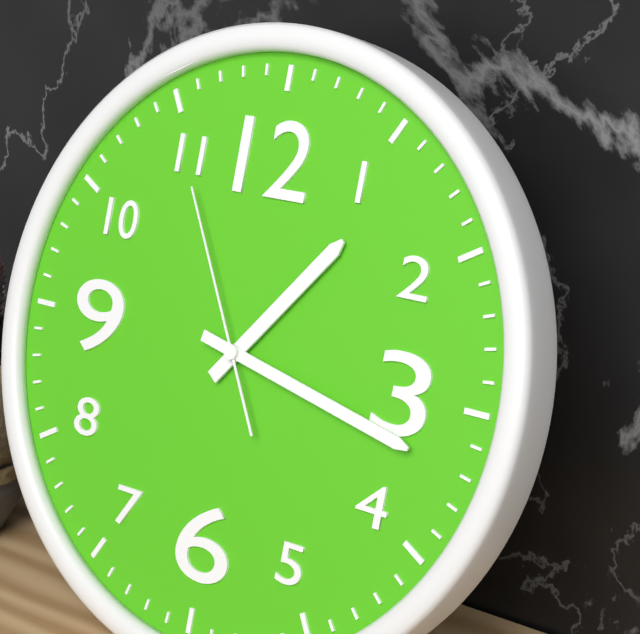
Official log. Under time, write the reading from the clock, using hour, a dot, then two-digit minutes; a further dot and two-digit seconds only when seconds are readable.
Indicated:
1.17.55
